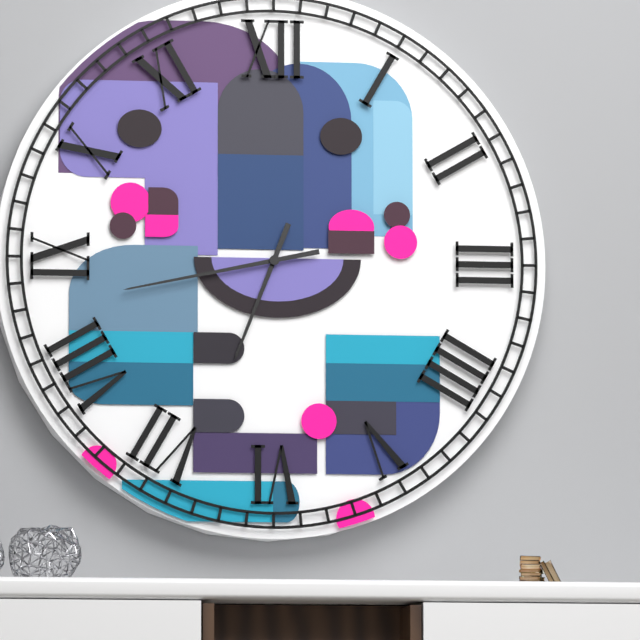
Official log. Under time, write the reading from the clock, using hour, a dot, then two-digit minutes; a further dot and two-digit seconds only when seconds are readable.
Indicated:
6.43
